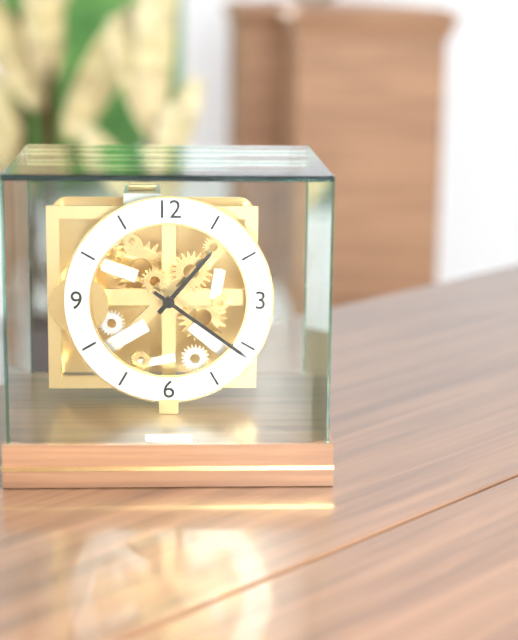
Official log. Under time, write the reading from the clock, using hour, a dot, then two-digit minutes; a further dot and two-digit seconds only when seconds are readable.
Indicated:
1.21
